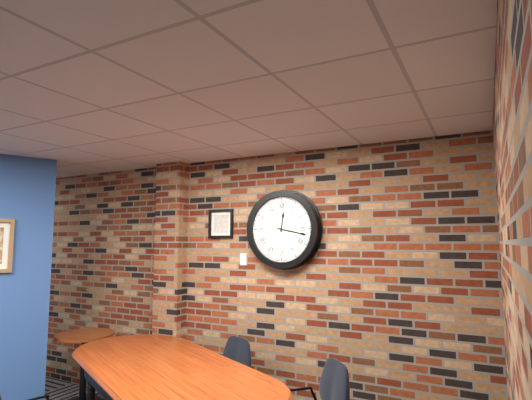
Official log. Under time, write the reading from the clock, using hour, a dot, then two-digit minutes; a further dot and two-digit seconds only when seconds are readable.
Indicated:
12.17
